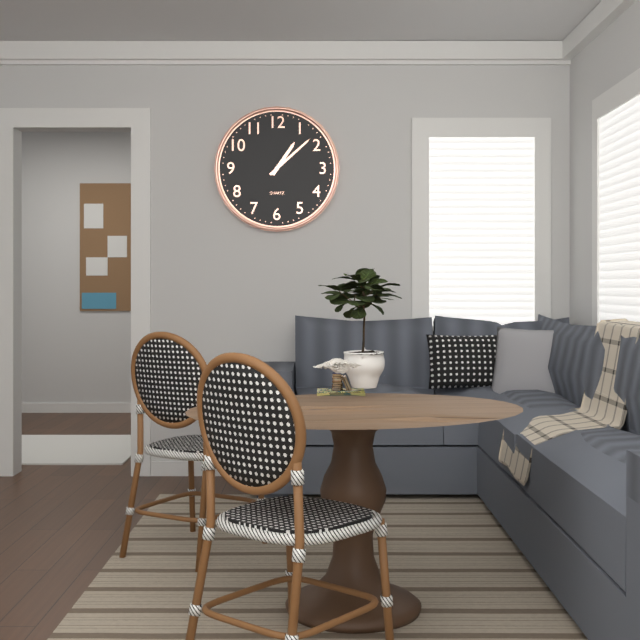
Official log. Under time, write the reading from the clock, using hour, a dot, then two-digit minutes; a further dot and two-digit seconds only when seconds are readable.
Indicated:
1.08
